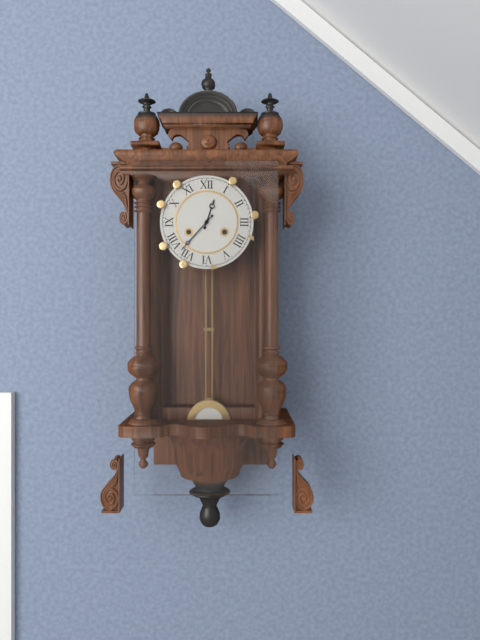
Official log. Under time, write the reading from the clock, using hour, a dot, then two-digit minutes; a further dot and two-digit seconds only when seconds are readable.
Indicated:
12.37
